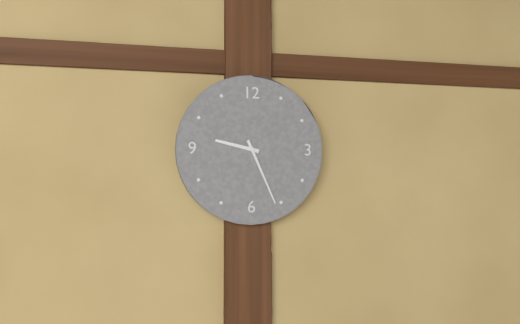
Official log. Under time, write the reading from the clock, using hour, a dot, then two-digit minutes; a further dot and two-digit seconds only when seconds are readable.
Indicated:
9.26
